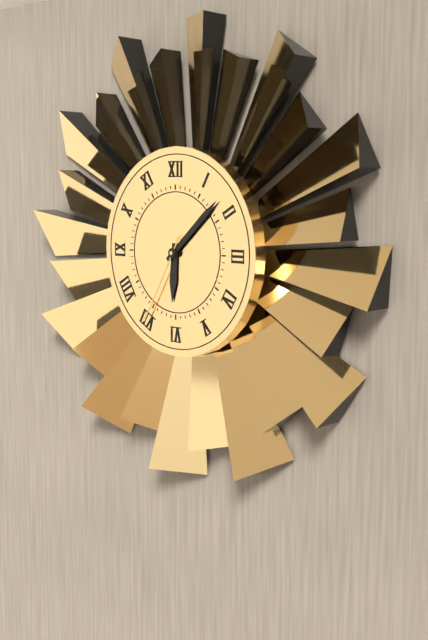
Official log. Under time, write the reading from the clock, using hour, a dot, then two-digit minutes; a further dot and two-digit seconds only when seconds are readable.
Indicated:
6.08.35
